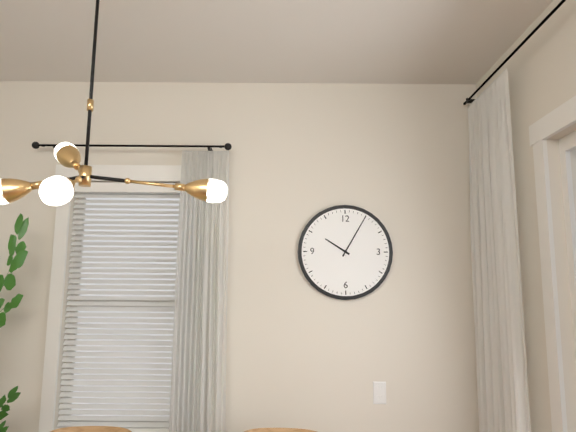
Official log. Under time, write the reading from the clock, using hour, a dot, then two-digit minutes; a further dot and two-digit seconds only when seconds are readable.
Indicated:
10.05
